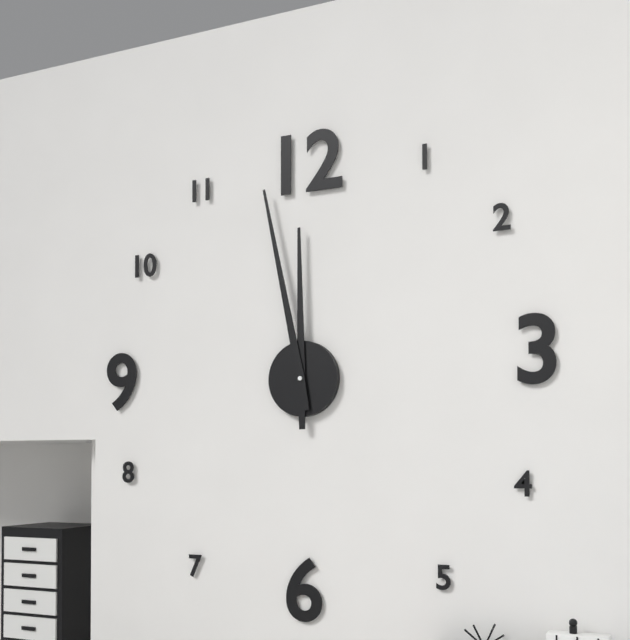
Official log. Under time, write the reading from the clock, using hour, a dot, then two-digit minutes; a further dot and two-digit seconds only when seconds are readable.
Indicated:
11.58
